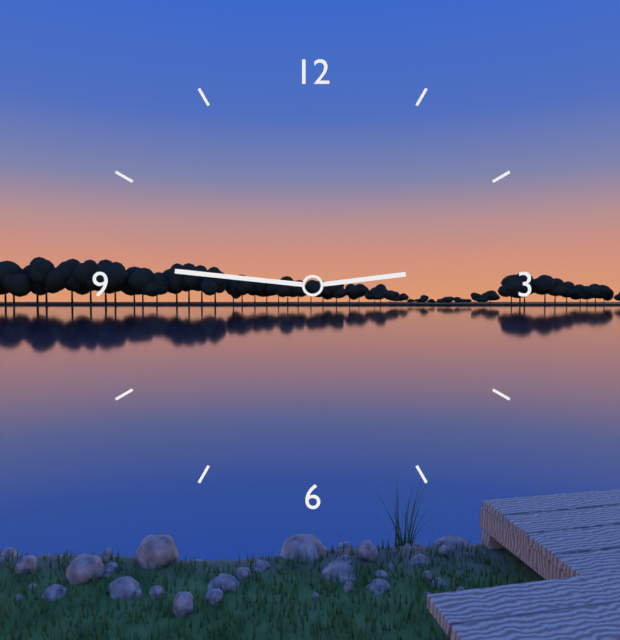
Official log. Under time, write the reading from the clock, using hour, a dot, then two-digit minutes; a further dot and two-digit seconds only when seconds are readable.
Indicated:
2.46
